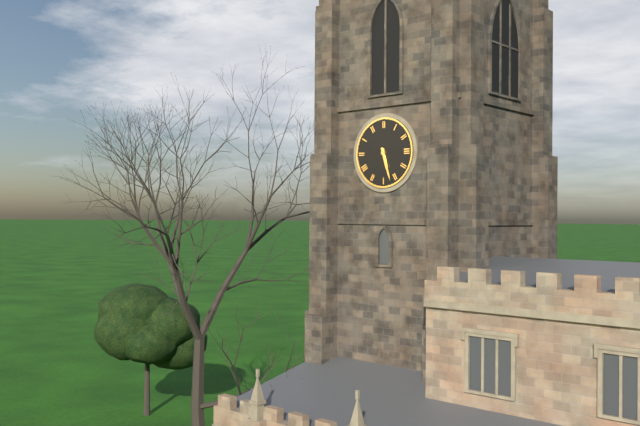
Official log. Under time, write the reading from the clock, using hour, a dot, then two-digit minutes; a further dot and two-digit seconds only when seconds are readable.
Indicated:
5.27
